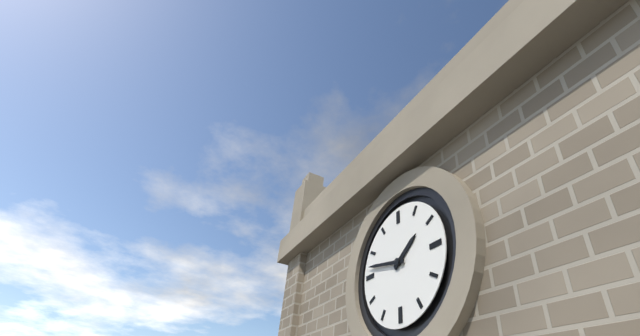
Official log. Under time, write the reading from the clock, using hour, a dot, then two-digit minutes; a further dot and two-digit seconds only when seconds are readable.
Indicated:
1.47
